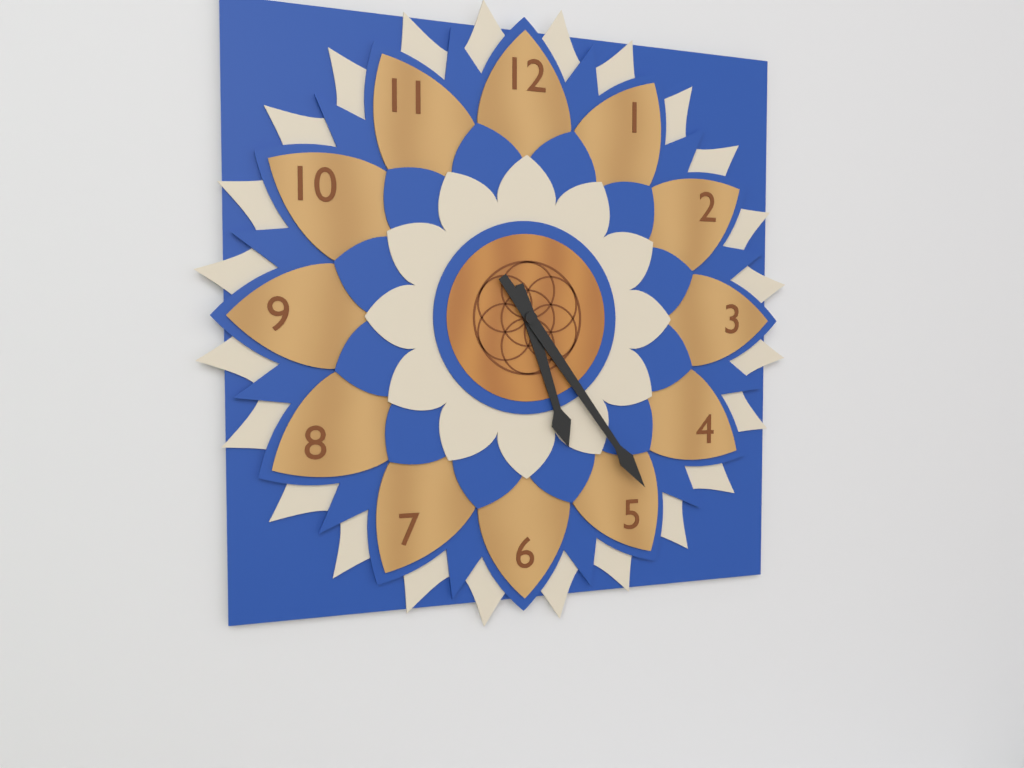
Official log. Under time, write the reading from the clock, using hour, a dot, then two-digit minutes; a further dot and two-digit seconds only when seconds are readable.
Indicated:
5.24
